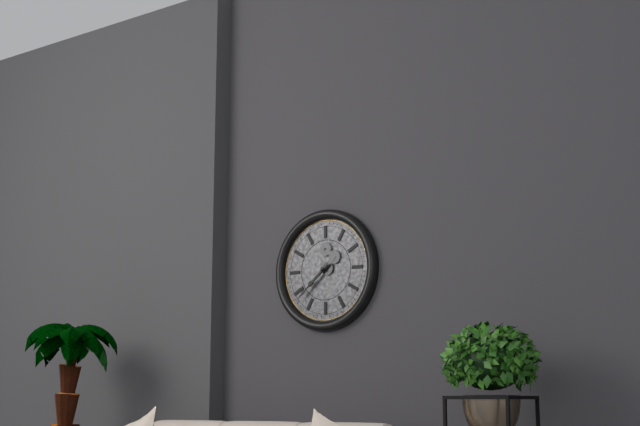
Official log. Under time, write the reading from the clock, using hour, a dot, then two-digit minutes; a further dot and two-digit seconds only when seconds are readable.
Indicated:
7.38
